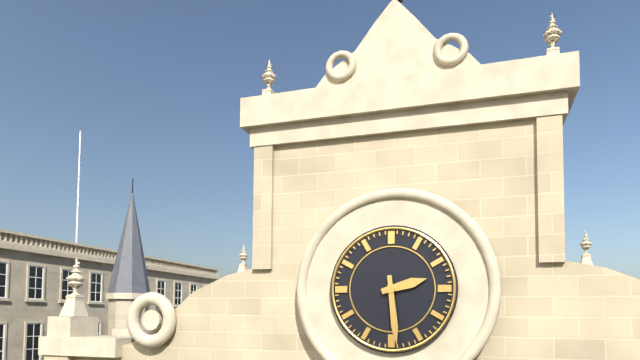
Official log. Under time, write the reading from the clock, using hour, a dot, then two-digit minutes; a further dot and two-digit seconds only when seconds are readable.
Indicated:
2.29
